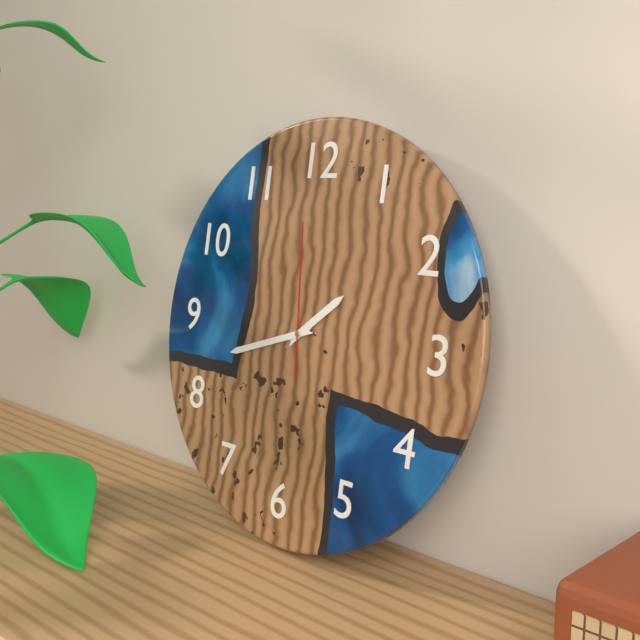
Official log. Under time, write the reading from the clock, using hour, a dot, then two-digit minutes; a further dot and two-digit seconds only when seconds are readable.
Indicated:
1.42.59
